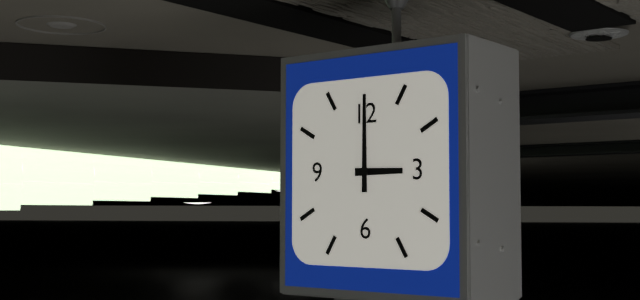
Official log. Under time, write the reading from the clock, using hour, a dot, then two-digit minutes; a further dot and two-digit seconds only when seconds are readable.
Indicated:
3.00
